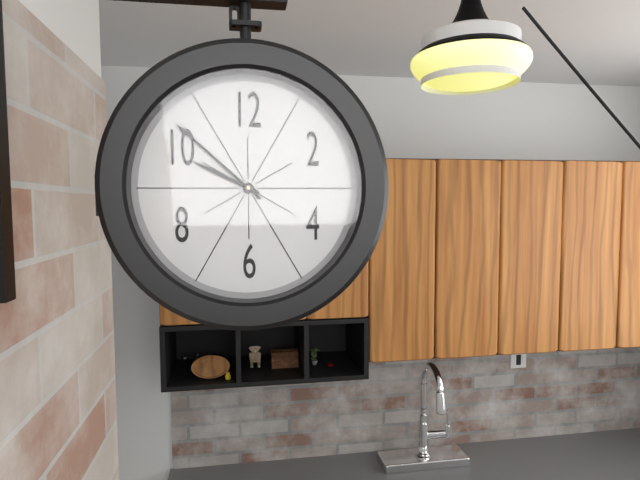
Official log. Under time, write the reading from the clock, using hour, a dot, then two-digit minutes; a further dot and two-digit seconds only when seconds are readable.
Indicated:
9.52
